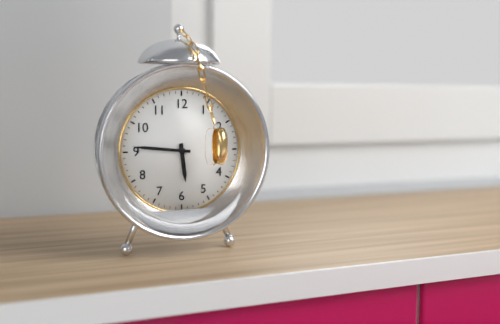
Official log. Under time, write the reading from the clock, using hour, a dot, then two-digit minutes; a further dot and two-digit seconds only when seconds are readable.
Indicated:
5.46
